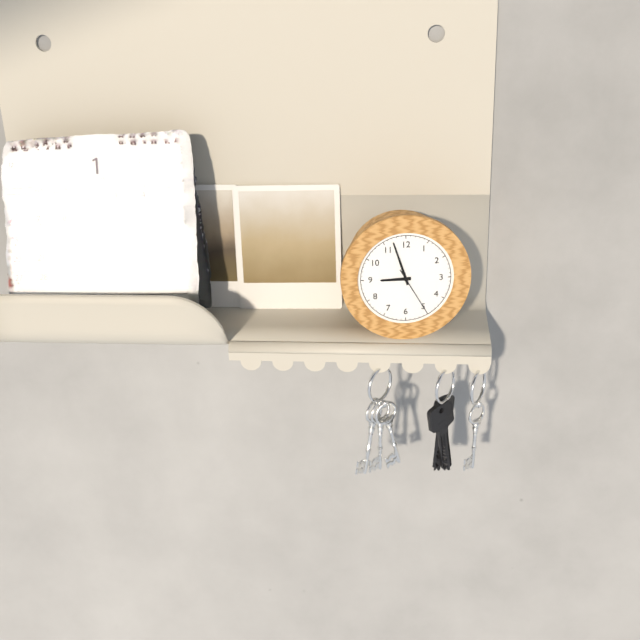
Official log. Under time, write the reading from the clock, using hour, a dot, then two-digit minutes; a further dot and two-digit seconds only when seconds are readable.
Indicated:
8.57
